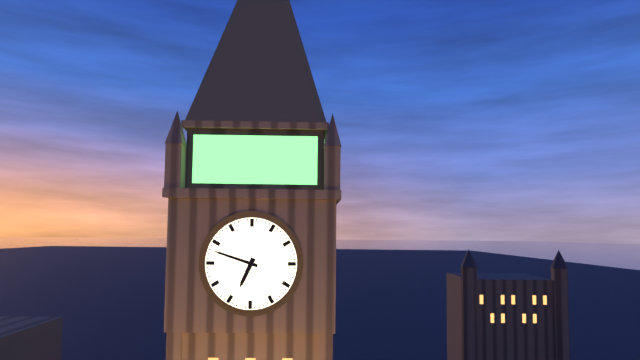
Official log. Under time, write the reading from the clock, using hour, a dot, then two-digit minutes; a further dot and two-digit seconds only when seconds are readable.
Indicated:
6.48
